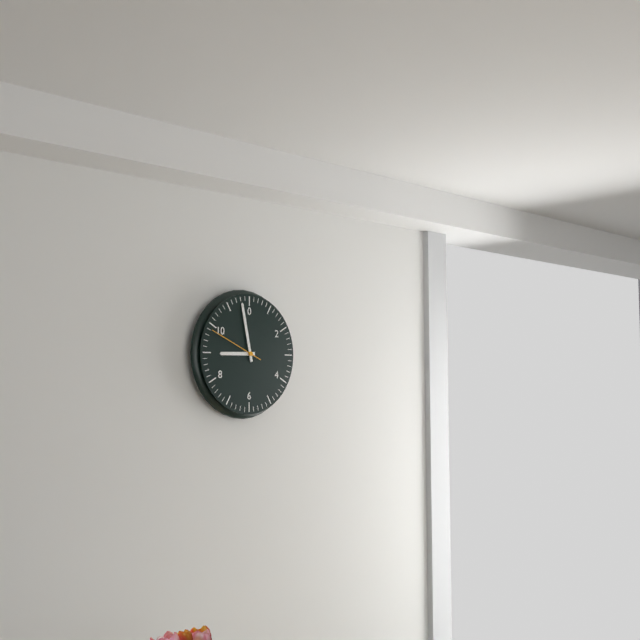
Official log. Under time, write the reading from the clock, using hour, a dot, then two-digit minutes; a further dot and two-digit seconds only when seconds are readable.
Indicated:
8.58
